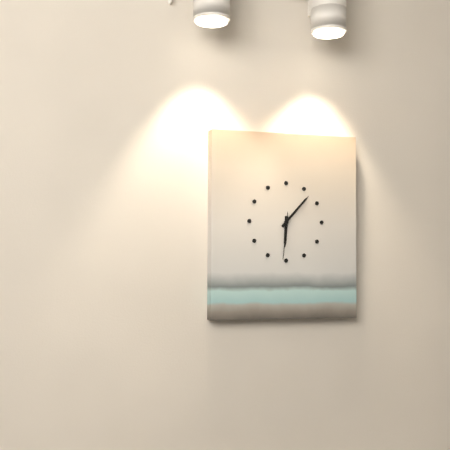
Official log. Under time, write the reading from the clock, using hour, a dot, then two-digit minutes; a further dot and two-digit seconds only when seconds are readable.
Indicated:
6.07
